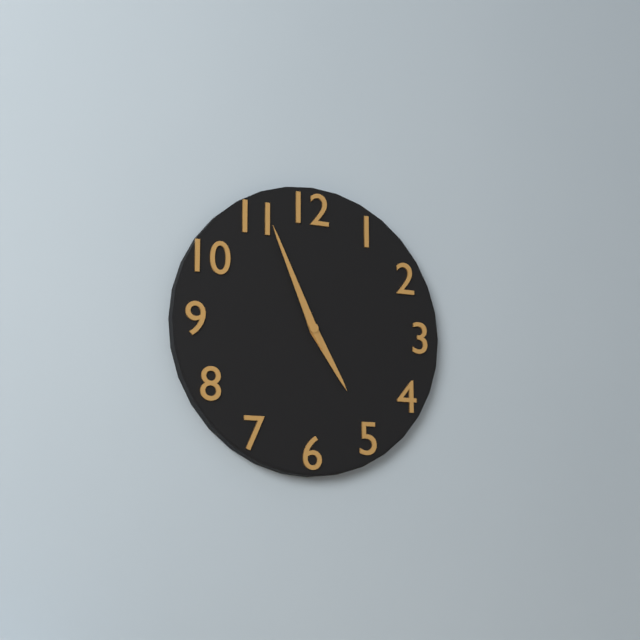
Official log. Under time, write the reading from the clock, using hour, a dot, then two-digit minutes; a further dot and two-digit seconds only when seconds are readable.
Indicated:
4.56
